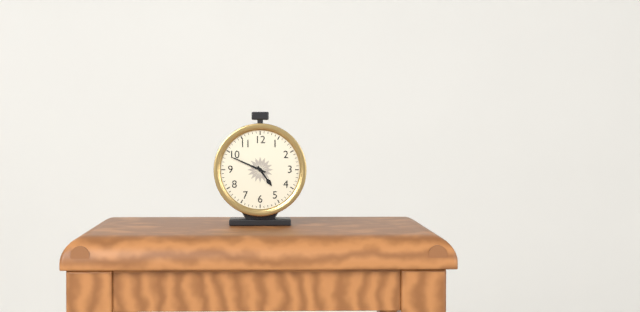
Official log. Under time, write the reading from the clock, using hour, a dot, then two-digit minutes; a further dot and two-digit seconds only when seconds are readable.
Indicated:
4.49
